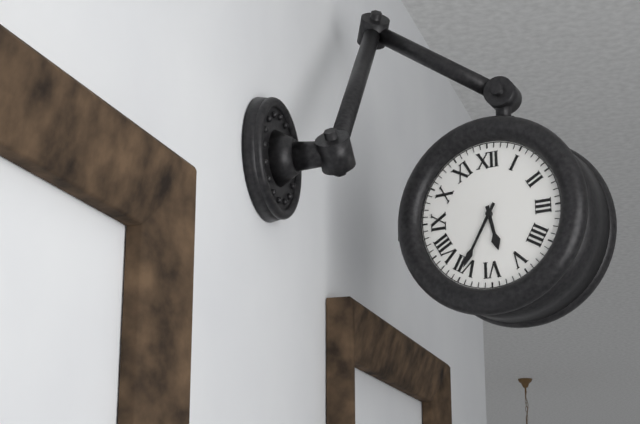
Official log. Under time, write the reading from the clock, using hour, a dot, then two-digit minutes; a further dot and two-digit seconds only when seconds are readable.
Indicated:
5.35
